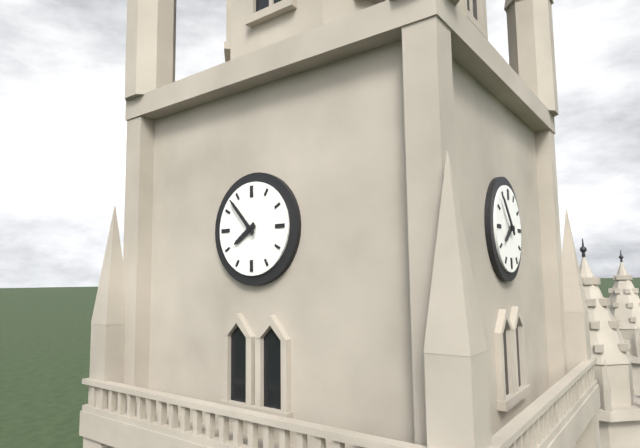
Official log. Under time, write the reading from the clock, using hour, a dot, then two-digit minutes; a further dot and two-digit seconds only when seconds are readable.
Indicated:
7.53
